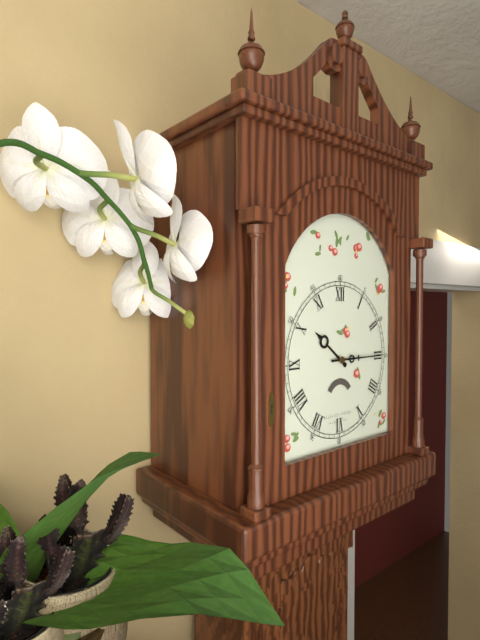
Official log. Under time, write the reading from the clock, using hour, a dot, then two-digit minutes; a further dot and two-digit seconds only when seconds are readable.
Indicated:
10.15
